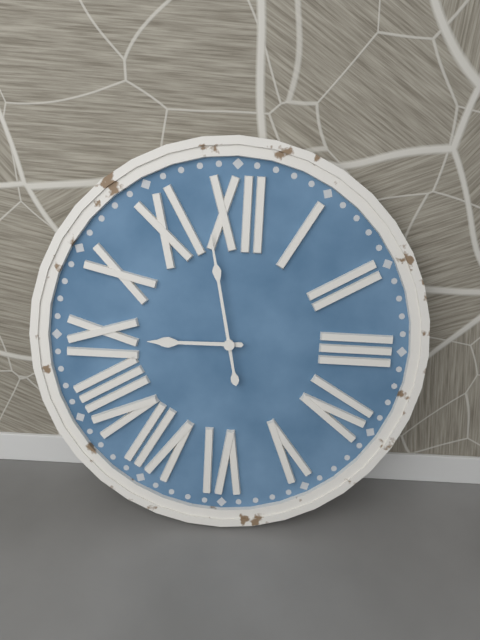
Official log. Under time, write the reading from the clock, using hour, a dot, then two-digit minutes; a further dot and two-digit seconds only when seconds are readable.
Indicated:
8.58
